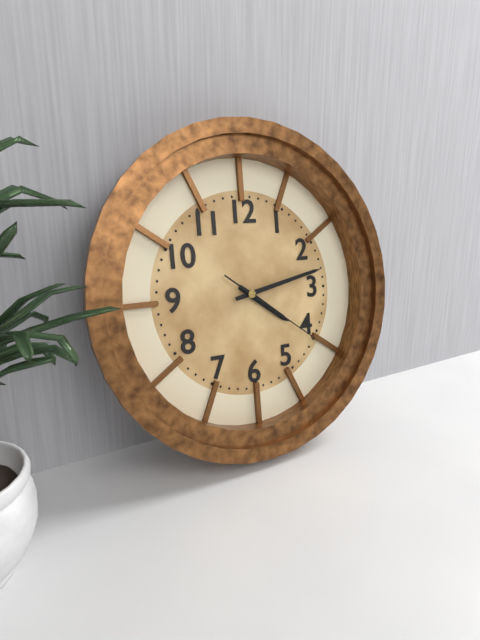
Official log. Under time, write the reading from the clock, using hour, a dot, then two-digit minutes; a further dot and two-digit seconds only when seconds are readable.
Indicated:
4.13.21
